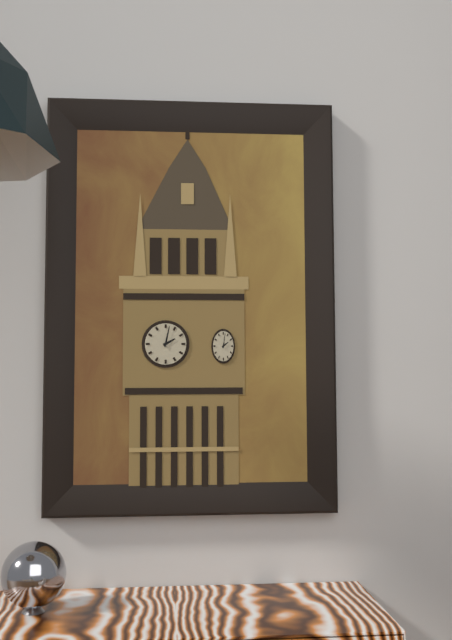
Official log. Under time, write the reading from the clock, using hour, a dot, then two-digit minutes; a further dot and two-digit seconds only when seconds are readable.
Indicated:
2.02
